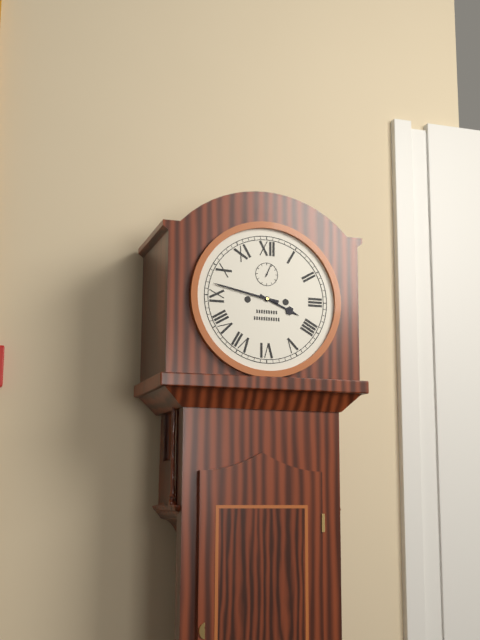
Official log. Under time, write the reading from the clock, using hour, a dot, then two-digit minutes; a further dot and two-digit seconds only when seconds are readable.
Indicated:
3.47
